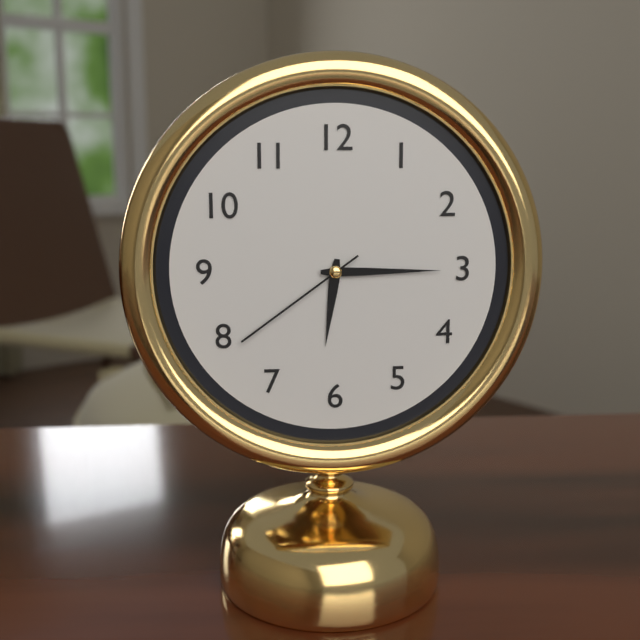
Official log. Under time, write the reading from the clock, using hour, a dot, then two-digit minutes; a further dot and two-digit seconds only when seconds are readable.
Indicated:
6.15.39
